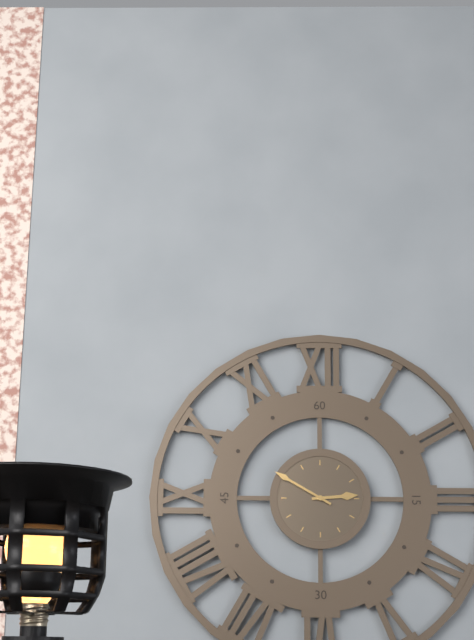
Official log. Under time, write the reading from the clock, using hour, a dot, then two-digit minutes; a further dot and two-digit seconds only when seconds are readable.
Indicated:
2.50
